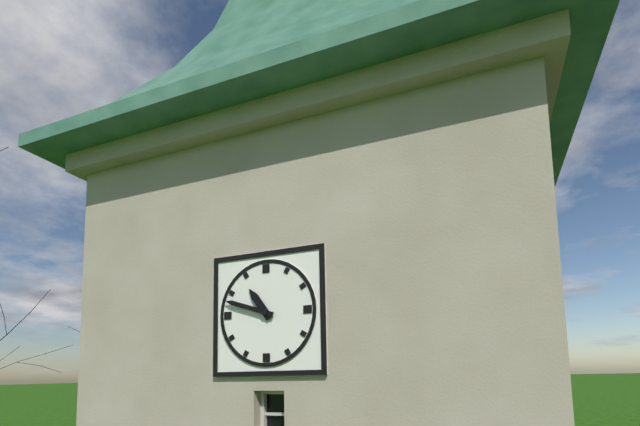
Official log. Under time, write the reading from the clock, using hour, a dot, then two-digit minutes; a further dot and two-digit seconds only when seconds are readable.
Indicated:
10.48
